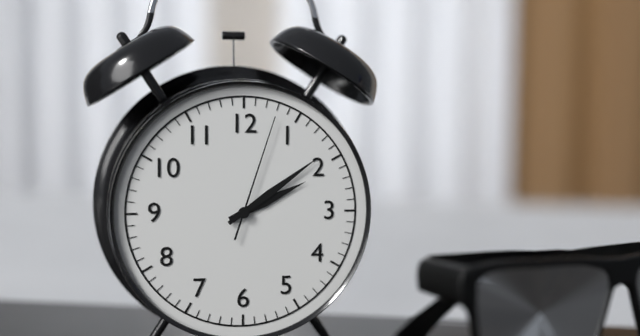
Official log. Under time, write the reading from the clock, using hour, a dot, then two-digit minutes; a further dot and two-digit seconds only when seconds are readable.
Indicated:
2.09.03
